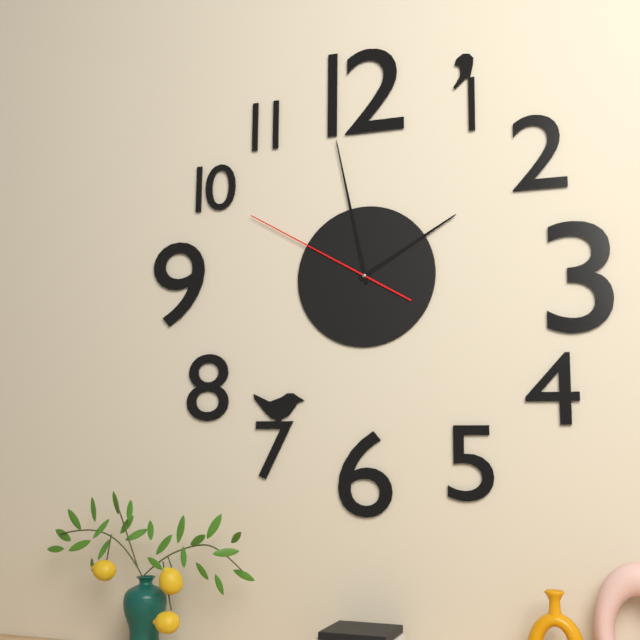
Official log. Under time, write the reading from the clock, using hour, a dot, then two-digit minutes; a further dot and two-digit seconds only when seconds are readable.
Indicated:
1.58.50
